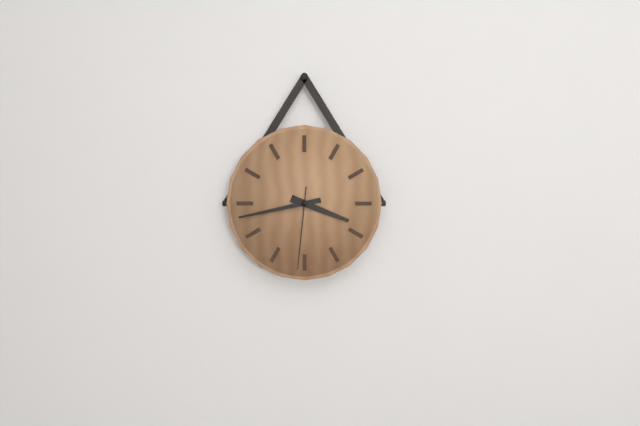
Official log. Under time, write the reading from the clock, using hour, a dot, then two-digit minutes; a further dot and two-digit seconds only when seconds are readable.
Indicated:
3.43.31
